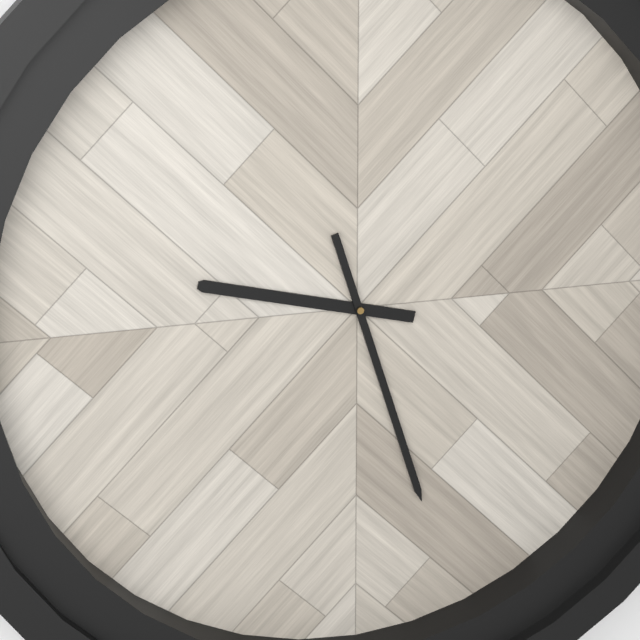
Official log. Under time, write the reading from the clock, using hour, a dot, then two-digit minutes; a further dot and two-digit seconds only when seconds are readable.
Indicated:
9.27
